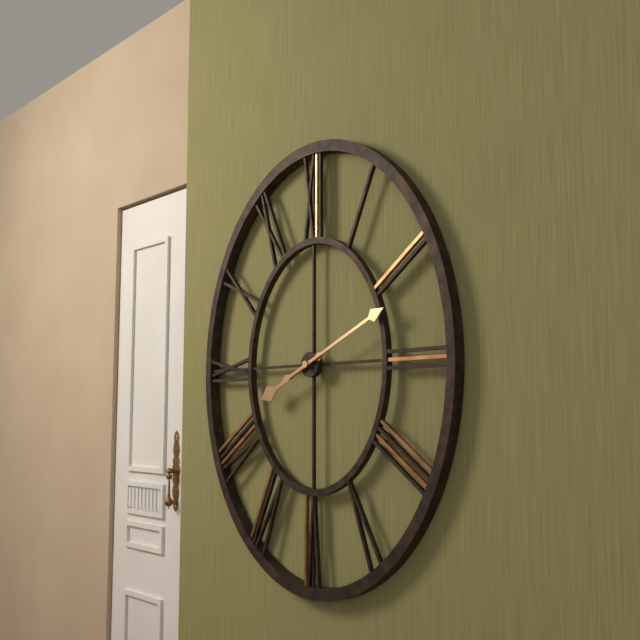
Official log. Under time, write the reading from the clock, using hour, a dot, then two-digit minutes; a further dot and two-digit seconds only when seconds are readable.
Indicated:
8.11
